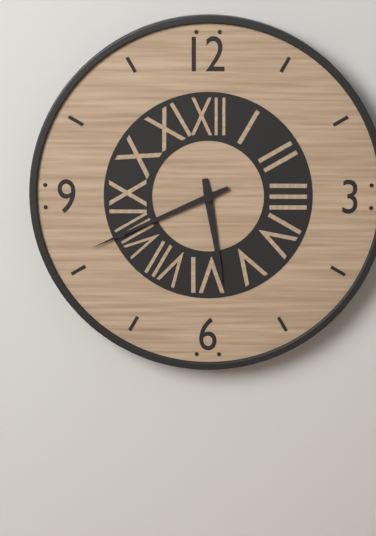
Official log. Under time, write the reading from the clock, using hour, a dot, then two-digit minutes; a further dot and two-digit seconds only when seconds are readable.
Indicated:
5.41
